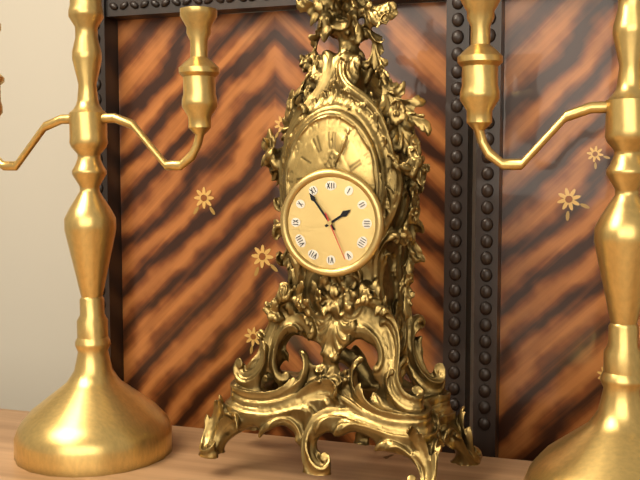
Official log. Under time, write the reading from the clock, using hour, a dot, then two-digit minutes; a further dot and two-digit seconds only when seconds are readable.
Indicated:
1.54
